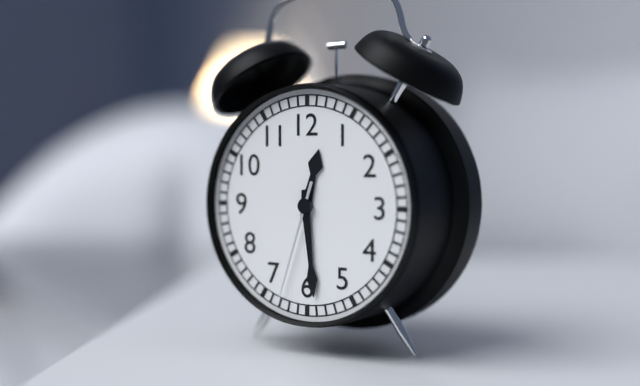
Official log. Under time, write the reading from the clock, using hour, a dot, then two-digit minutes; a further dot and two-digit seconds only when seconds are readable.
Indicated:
12.29.33
